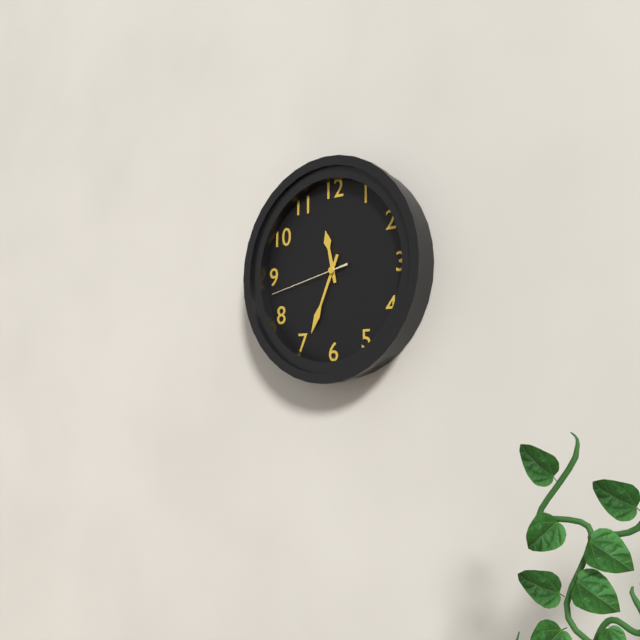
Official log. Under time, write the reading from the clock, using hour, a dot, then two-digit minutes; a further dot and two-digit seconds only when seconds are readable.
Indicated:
11.34.43
